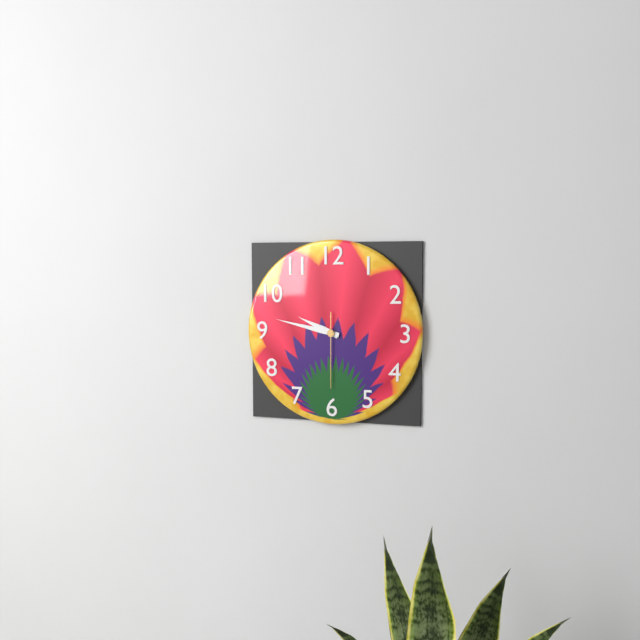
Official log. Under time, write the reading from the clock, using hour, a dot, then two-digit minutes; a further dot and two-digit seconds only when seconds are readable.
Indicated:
9.47.30
